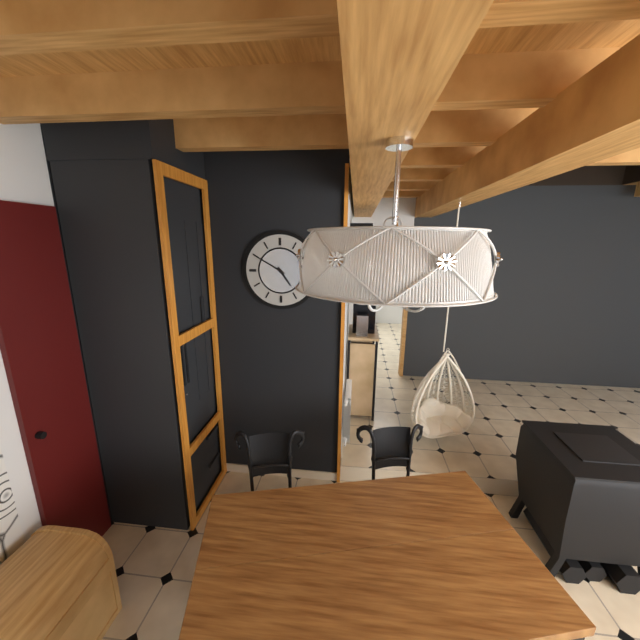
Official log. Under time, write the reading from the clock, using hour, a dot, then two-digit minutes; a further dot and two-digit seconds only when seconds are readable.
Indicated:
4.50
